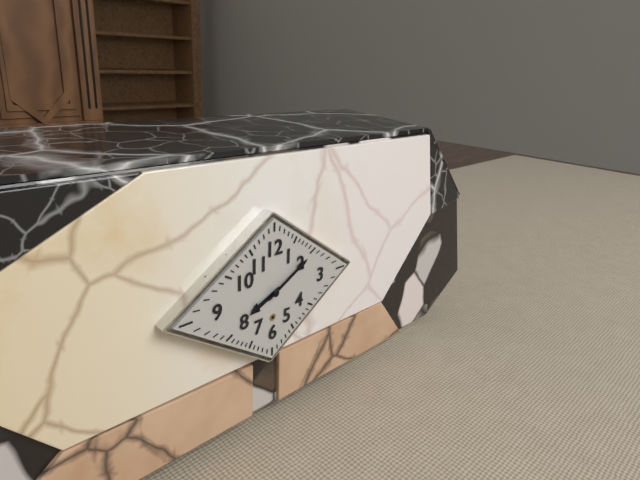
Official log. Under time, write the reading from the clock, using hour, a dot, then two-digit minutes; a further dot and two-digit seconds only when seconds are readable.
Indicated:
8.10
